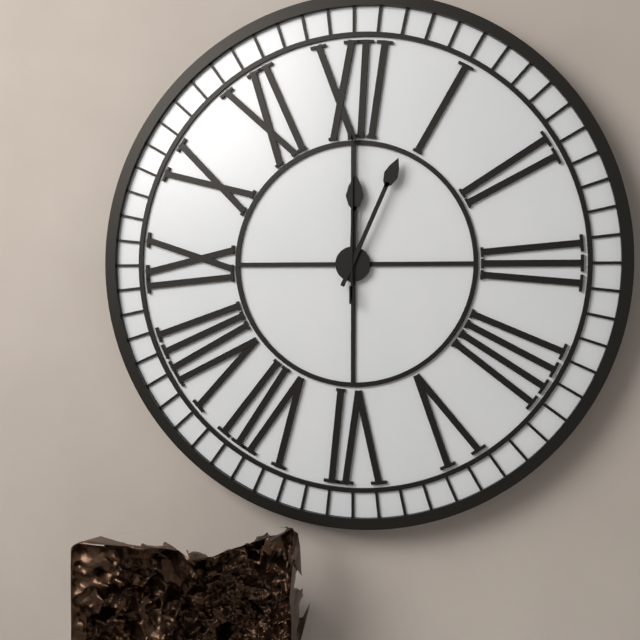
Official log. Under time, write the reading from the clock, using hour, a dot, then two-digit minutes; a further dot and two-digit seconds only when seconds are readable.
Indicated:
12.04.00
